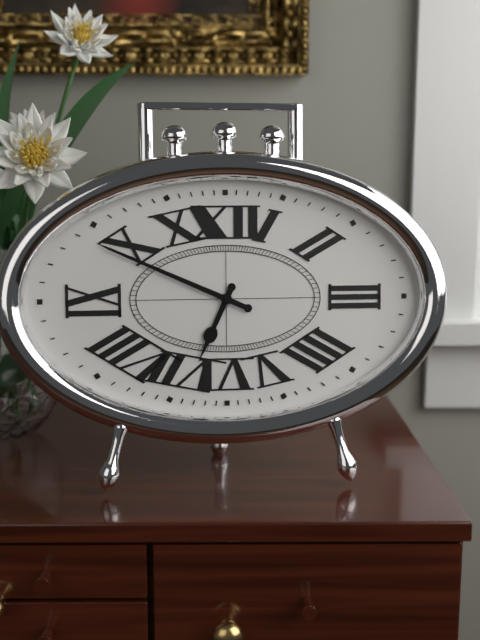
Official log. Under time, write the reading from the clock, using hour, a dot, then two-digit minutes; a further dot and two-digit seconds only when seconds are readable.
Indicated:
6.49
